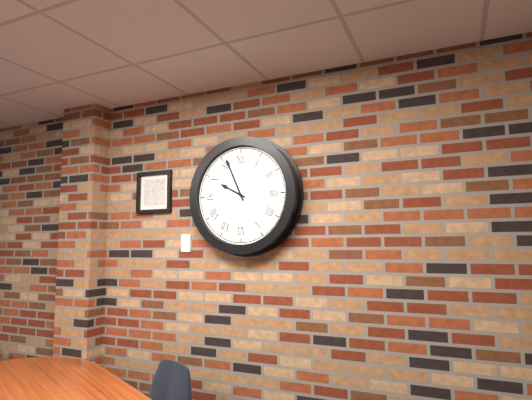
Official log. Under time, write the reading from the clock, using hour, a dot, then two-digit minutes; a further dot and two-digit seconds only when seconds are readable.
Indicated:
9.56
